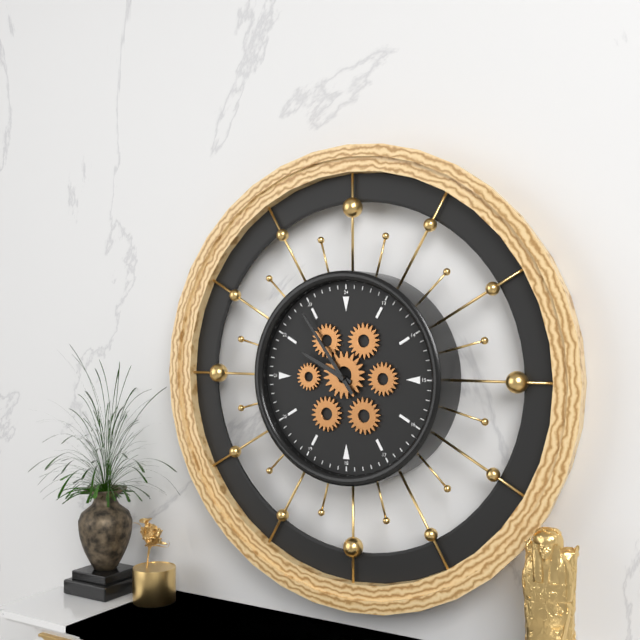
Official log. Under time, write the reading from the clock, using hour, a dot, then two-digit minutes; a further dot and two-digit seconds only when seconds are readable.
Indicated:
9.54
